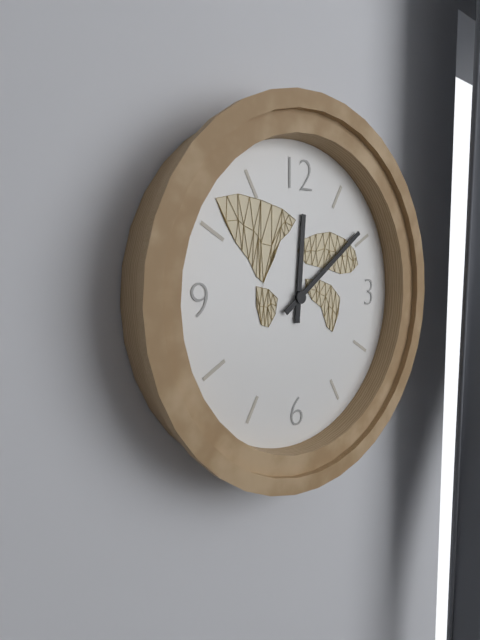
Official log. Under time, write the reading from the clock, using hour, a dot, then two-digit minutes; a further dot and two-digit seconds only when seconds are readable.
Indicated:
12.09
